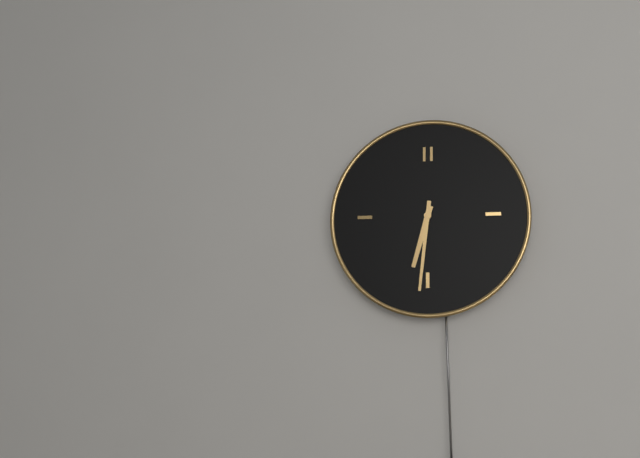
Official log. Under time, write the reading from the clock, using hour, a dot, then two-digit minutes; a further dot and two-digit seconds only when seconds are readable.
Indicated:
6.31
